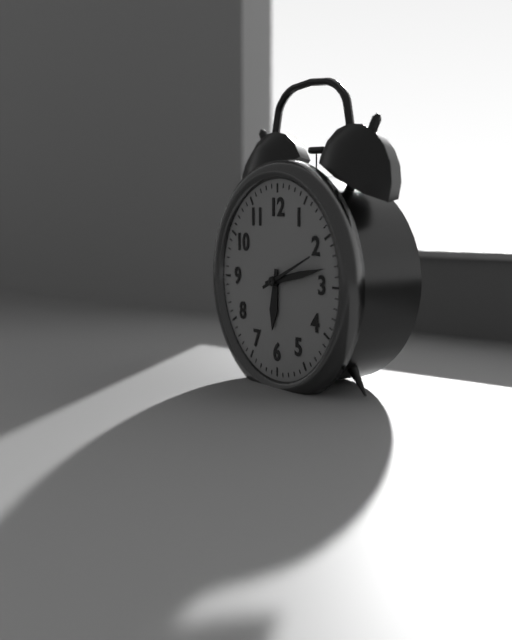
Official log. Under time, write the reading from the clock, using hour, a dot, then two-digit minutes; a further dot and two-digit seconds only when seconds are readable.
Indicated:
6.13.11
